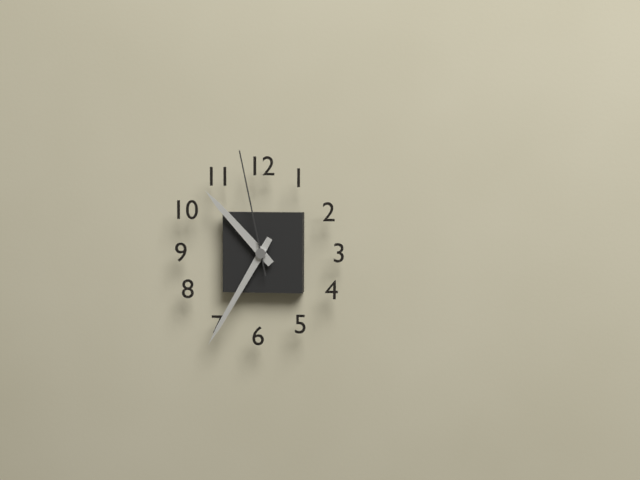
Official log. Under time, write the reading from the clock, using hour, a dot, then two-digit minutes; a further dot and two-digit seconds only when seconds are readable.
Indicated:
10.35.58
